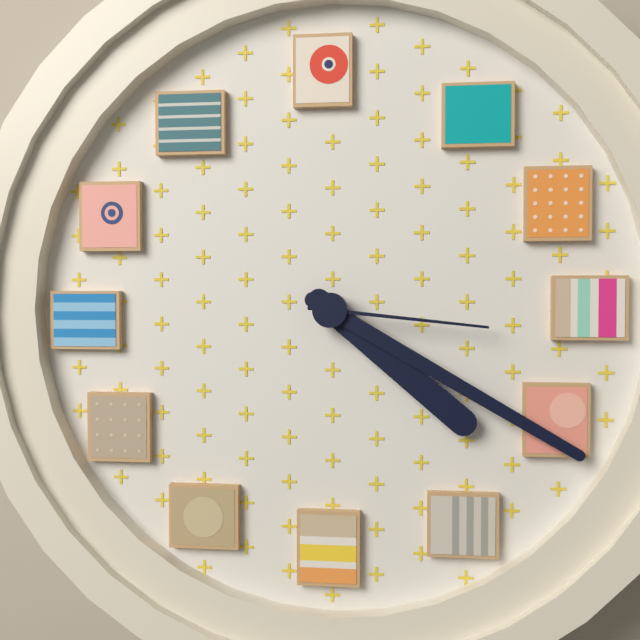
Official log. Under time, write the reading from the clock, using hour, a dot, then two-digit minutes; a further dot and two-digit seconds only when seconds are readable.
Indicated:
4.20.16
